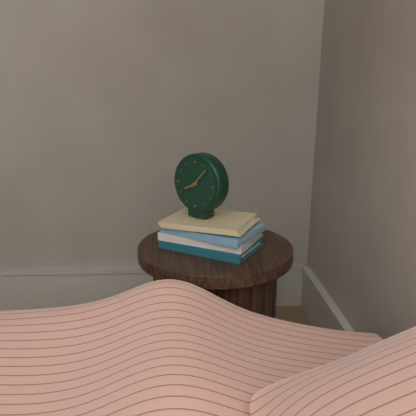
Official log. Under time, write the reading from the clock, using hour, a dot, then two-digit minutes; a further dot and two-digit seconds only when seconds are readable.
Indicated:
8.07
